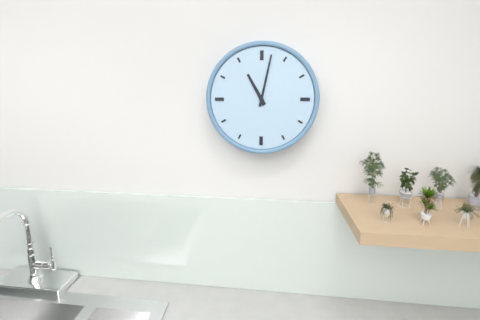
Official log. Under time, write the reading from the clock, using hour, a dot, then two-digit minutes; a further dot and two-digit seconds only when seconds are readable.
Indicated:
11.02
